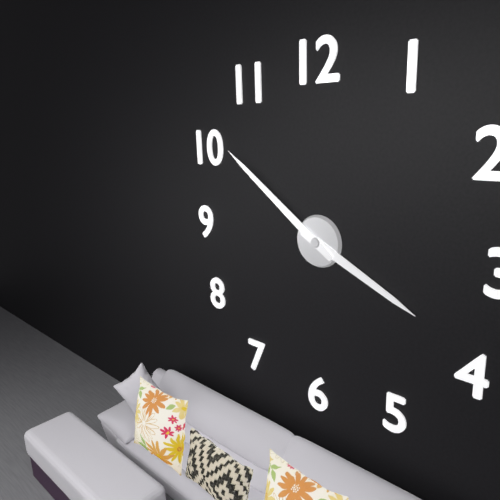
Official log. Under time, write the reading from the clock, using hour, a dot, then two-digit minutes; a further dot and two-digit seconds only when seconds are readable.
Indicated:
3.51
